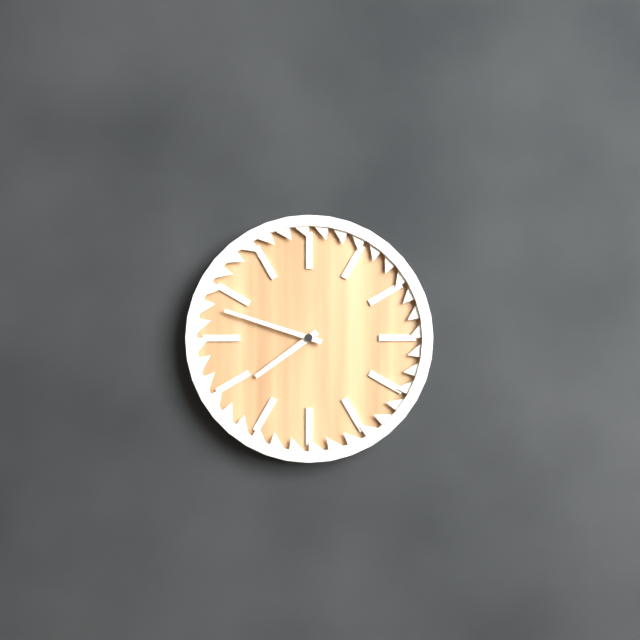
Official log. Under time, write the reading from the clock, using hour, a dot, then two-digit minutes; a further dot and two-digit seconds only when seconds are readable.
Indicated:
7.48
